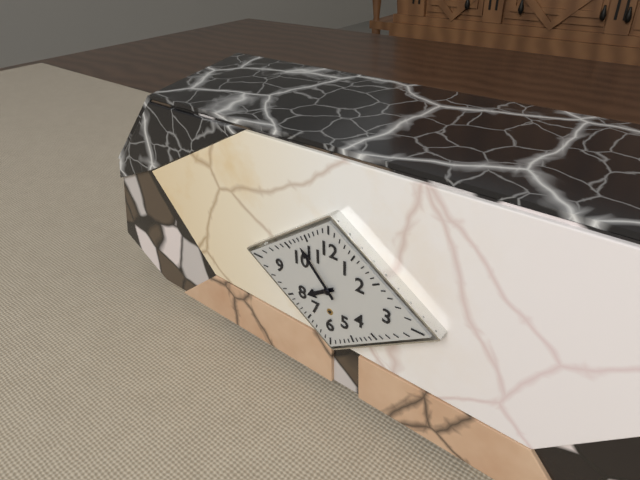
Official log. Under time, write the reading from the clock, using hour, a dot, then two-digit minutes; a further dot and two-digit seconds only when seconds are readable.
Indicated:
7.53
